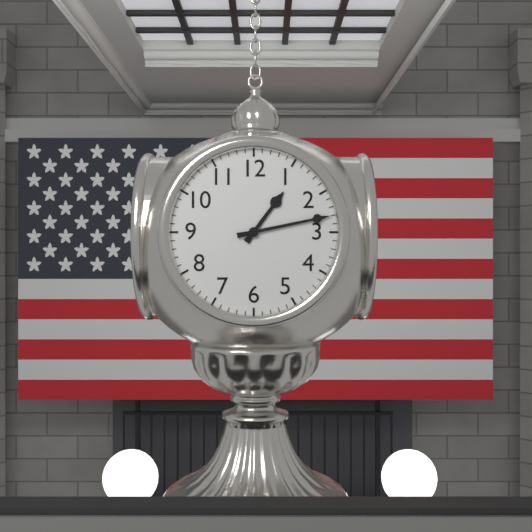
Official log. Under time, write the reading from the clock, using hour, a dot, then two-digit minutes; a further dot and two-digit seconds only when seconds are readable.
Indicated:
1.13
